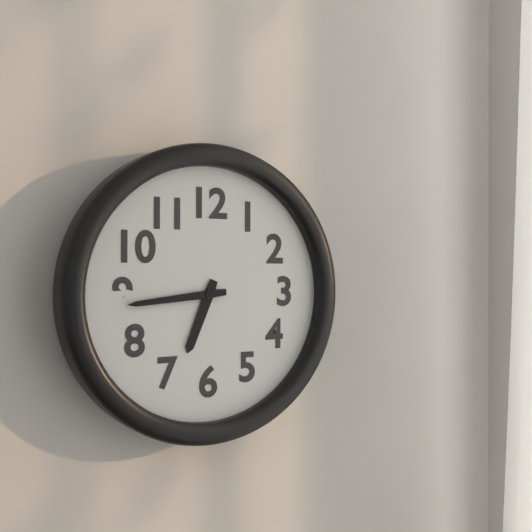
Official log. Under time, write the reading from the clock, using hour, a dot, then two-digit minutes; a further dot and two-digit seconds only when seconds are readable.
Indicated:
6.44
